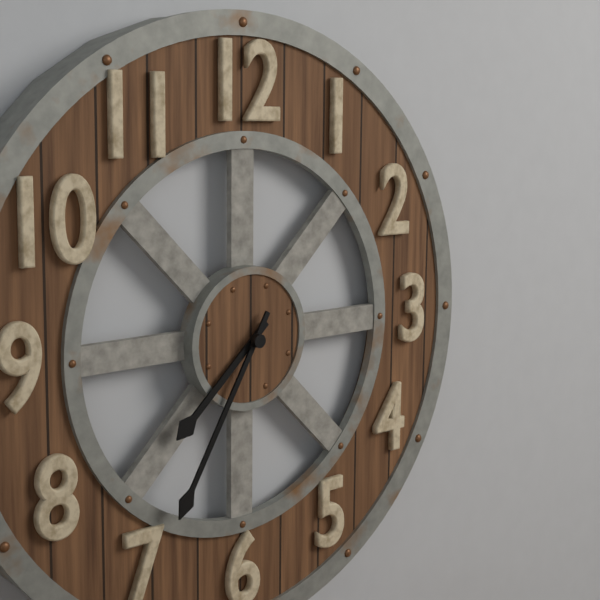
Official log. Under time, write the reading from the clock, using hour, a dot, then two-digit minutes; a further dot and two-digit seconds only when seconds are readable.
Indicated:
7.35
